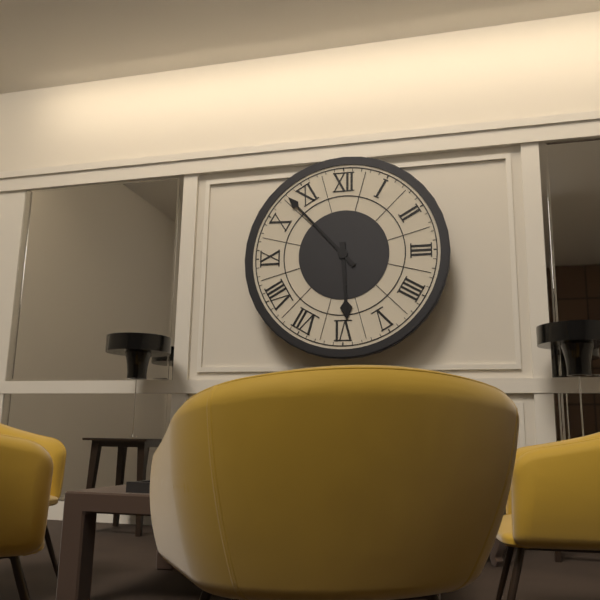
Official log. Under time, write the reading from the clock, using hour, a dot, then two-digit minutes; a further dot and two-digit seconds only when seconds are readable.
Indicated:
5.53
